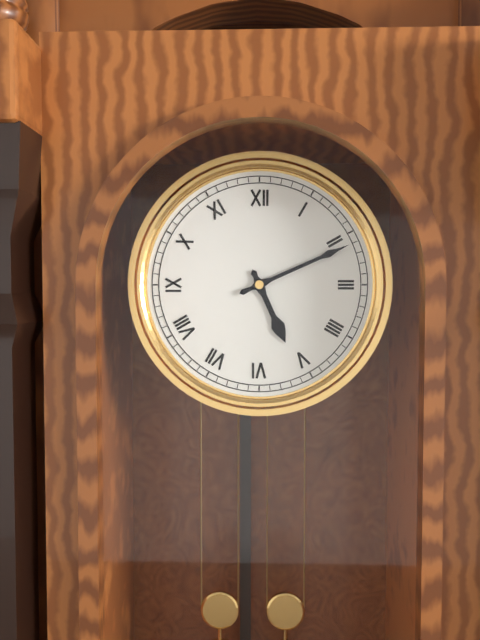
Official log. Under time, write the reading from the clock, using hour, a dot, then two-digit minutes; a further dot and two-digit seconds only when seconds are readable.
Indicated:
5.11
